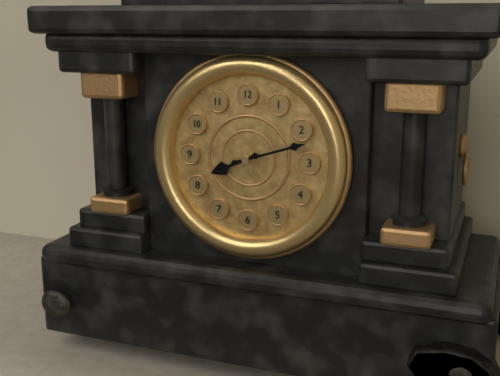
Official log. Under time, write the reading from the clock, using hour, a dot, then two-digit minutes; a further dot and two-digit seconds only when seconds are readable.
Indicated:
8.12
